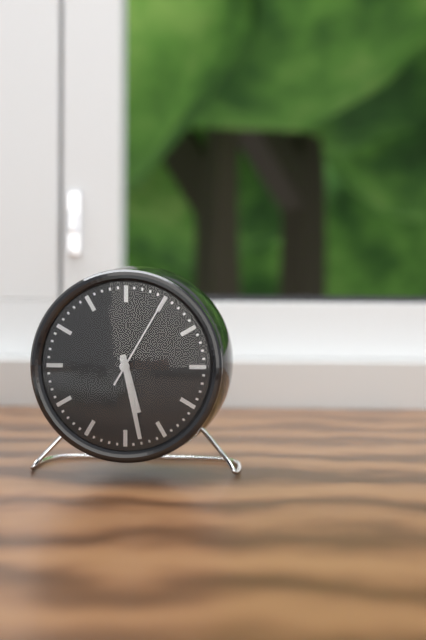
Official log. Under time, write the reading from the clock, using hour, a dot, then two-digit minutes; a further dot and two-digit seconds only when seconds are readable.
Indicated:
5.28.05
